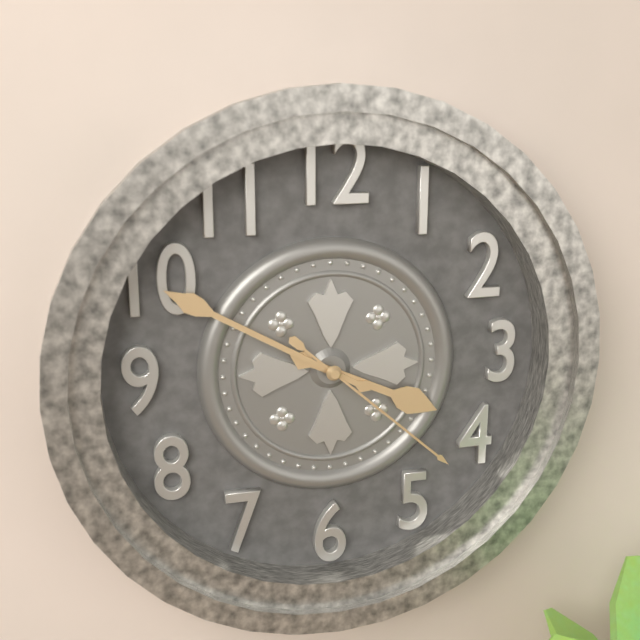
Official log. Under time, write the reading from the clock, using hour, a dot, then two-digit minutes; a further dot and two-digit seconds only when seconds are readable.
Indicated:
3.50.22
